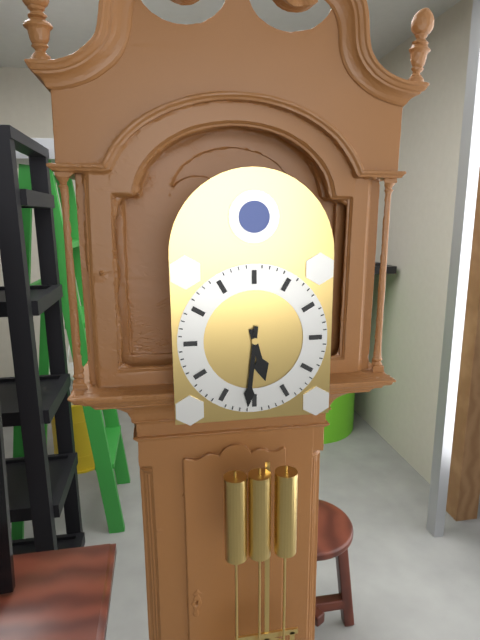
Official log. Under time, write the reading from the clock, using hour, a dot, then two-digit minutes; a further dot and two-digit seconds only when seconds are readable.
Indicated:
5.31
